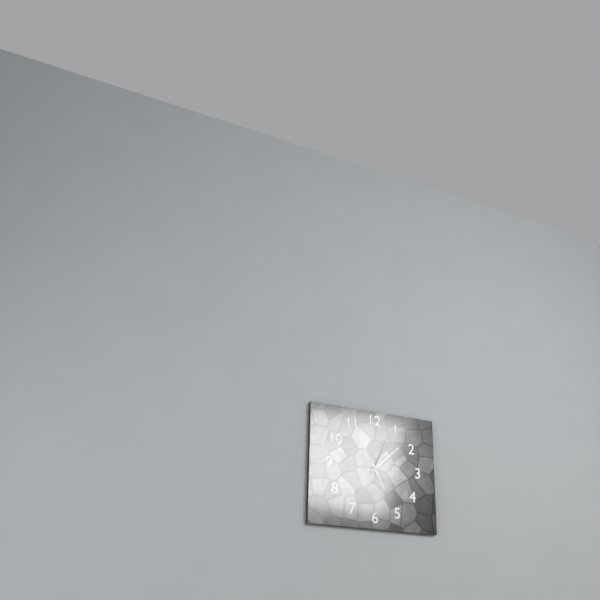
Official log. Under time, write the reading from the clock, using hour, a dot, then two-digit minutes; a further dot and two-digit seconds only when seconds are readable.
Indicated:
5.08
